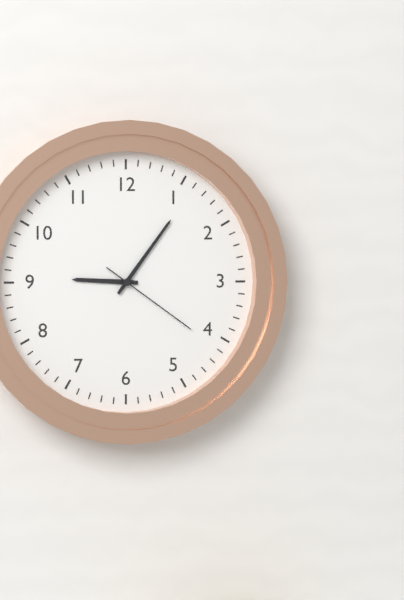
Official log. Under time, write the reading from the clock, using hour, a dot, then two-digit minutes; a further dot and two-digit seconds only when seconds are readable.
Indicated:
9.06.21
